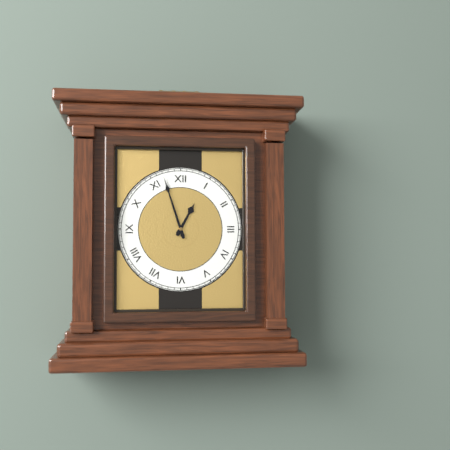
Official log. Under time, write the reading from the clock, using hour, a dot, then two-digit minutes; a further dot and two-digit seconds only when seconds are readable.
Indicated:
12.57
